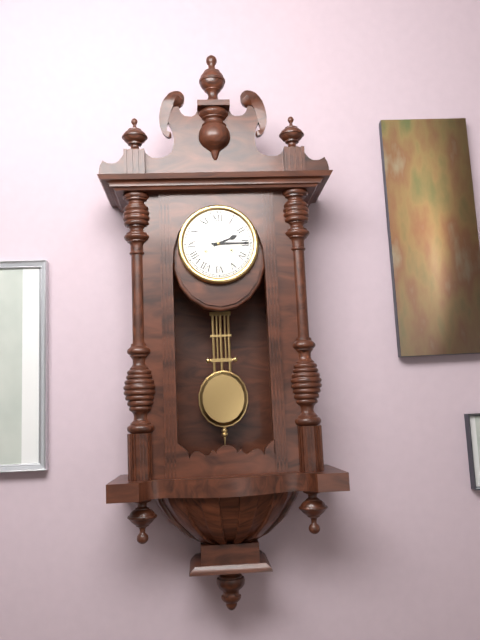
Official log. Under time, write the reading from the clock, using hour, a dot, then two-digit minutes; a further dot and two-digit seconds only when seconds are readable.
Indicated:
2.15
